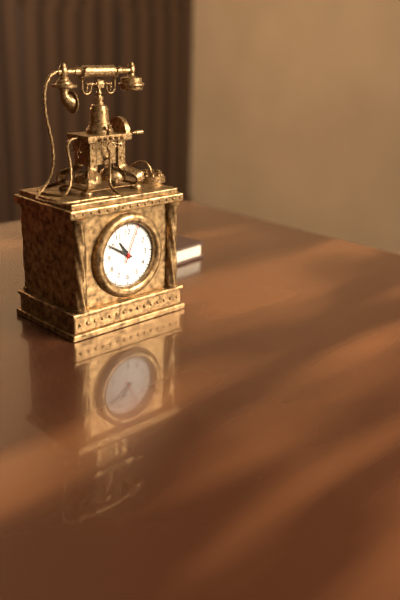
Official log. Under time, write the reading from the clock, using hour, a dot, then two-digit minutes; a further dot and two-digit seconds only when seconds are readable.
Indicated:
10.50
